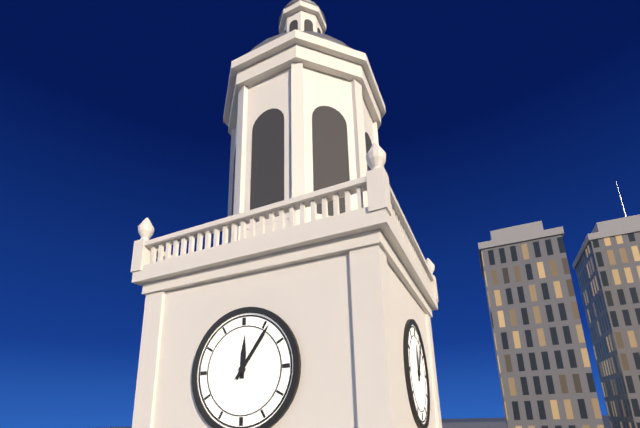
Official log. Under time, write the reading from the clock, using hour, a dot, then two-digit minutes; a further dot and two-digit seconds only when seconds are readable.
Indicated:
12.06
